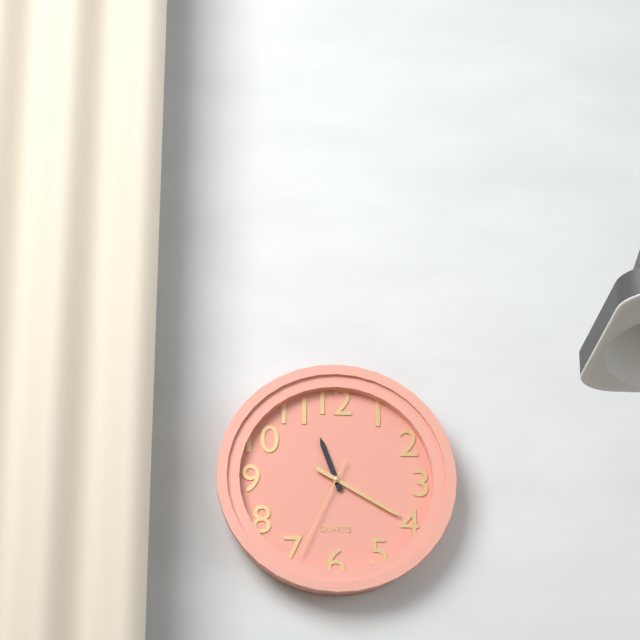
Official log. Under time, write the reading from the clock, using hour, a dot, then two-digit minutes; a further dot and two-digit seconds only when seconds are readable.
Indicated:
11.20.34
